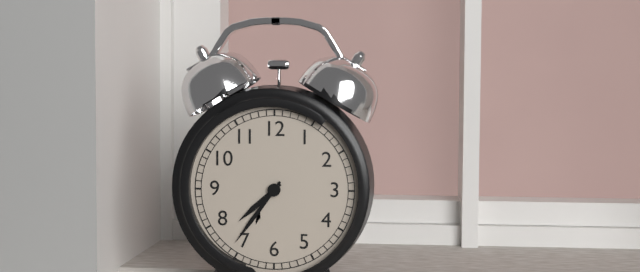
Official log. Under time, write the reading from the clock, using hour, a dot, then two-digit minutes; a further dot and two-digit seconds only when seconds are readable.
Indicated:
7.36
